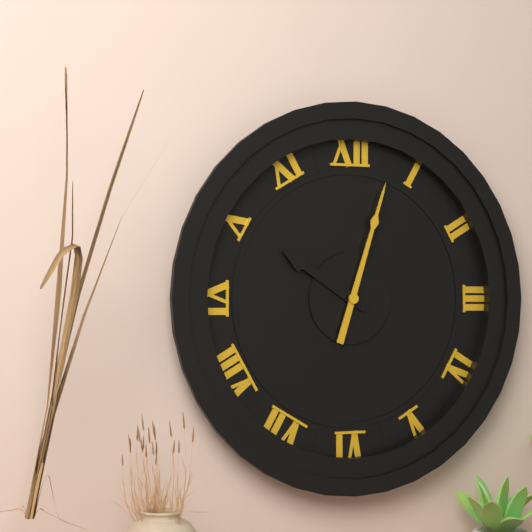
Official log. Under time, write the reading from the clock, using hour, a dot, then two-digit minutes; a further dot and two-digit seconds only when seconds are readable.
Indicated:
10.03
